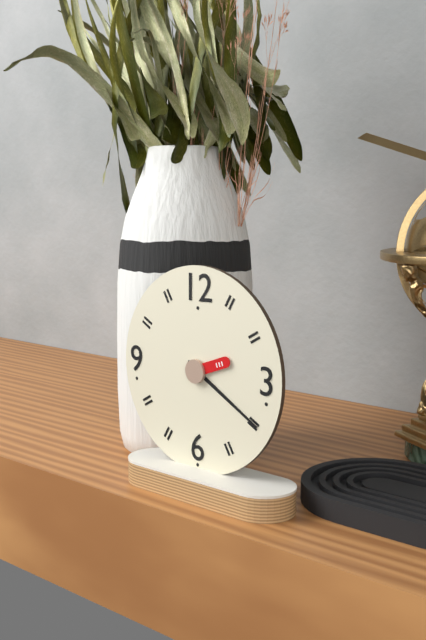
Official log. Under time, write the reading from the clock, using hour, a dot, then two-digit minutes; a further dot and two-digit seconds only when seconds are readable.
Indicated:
2.20
